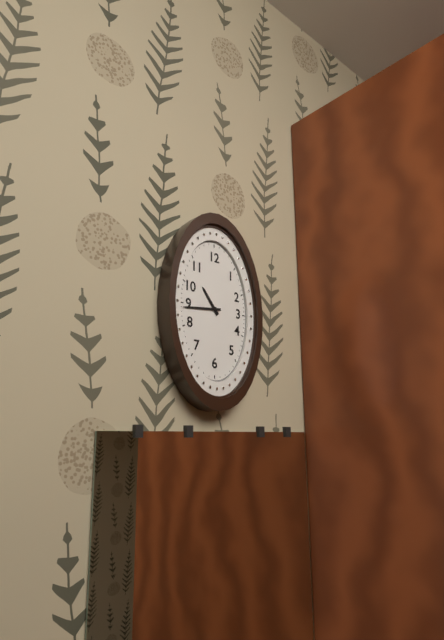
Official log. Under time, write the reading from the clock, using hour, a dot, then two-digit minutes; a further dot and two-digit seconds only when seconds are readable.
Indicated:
10.44
